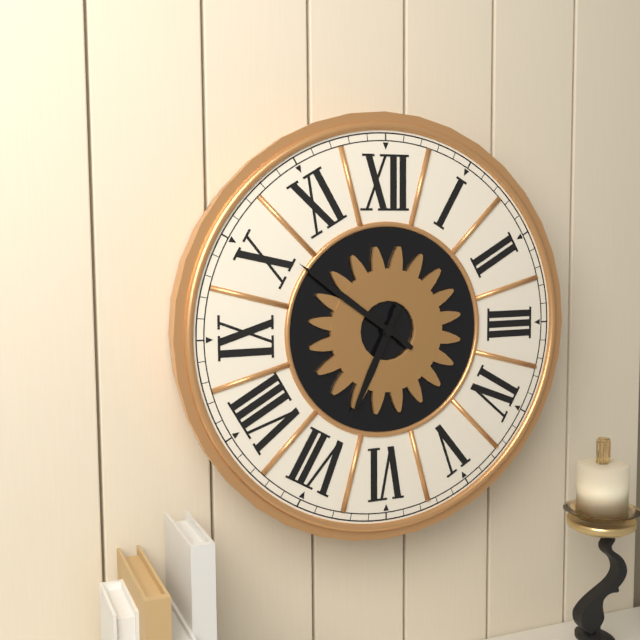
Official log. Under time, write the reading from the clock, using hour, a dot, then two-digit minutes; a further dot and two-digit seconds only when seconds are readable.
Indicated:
6.51
